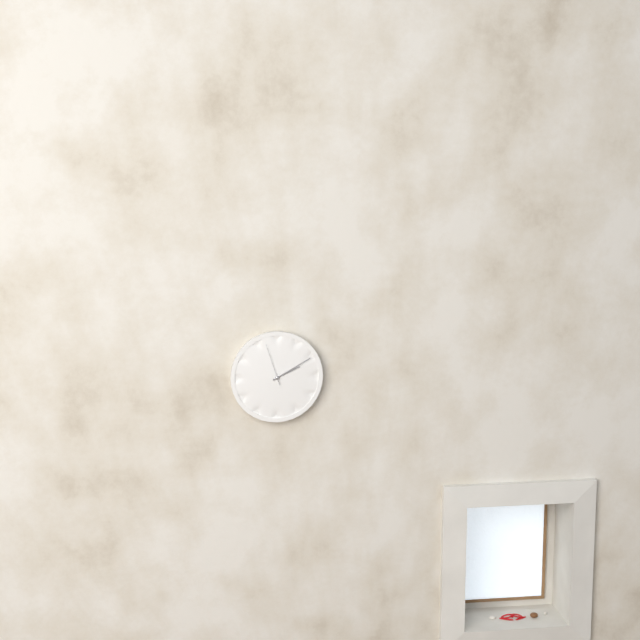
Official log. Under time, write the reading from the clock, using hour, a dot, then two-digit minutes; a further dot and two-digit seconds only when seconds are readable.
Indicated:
2.10
